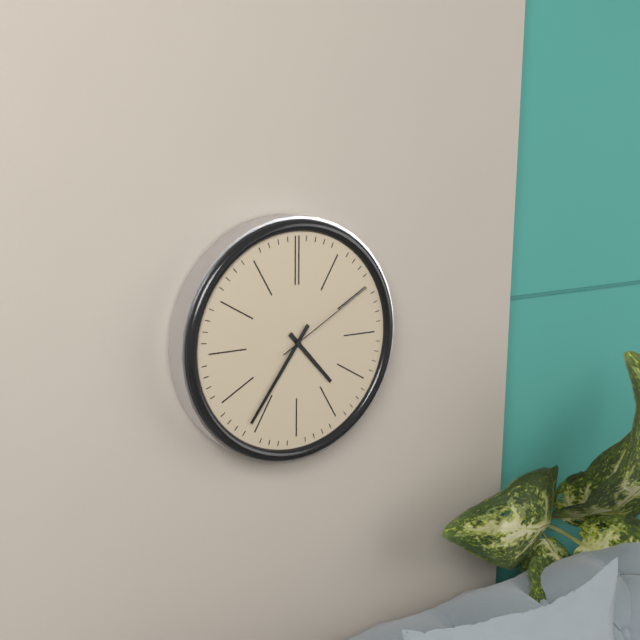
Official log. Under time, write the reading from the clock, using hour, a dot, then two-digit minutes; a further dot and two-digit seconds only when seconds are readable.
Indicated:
4.36.10
